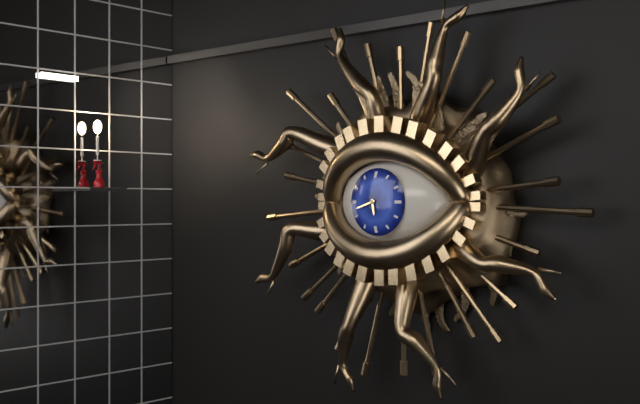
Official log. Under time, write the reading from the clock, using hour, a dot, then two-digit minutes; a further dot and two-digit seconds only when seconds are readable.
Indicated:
5.42
